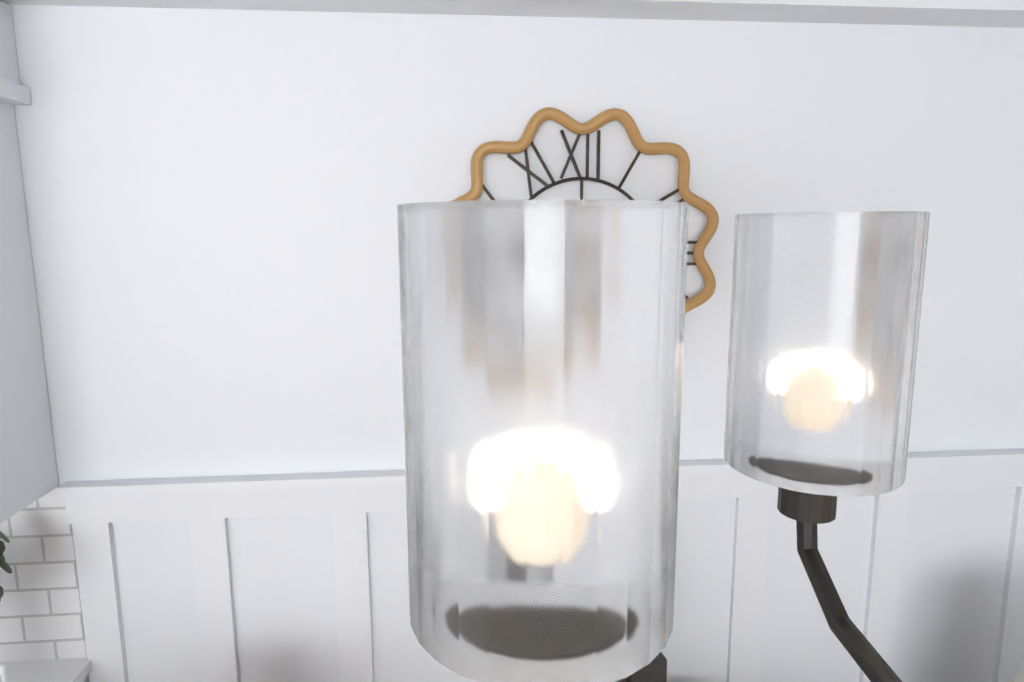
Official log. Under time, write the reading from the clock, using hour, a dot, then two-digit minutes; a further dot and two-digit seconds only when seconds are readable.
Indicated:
4.45
